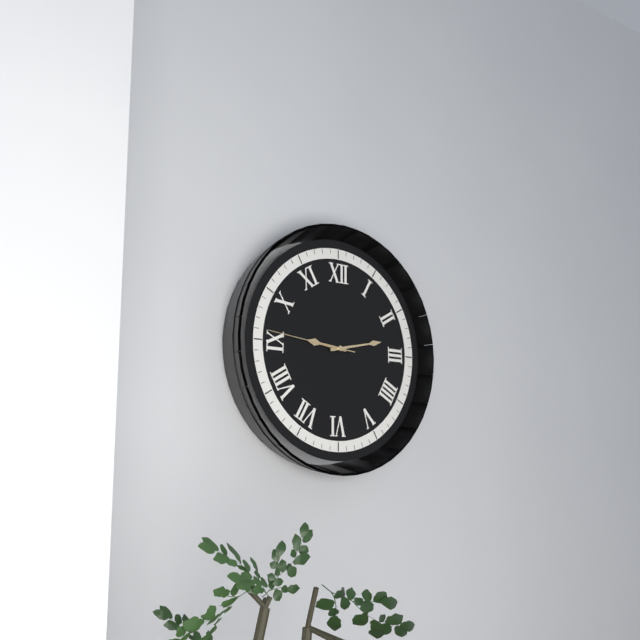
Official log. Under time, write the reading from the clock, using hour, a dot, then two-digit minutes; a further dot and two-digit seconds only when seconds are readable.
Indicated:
9.13.46
